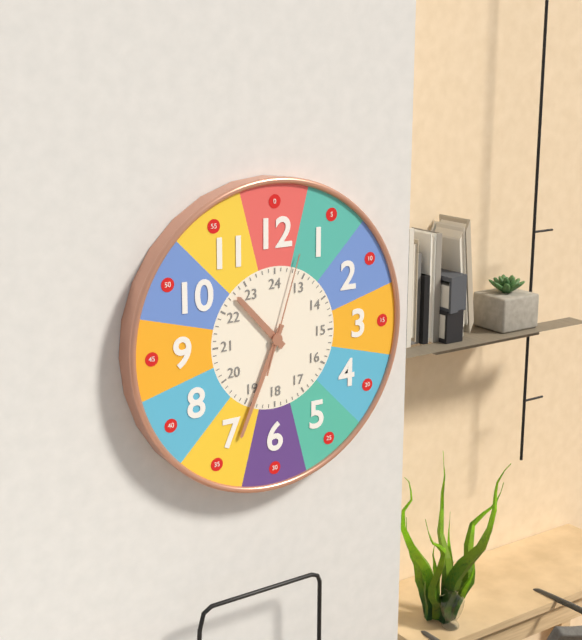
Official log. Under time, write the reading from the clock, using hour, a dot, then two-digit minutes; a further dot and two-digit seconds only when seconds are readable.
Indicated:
10.34.03
